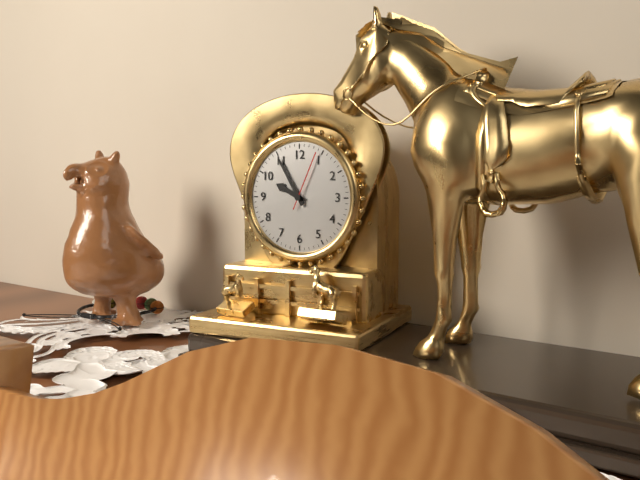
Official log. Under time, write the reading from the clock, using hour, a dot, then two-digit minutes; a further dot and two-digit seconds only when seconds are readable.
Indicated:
9.55.04
